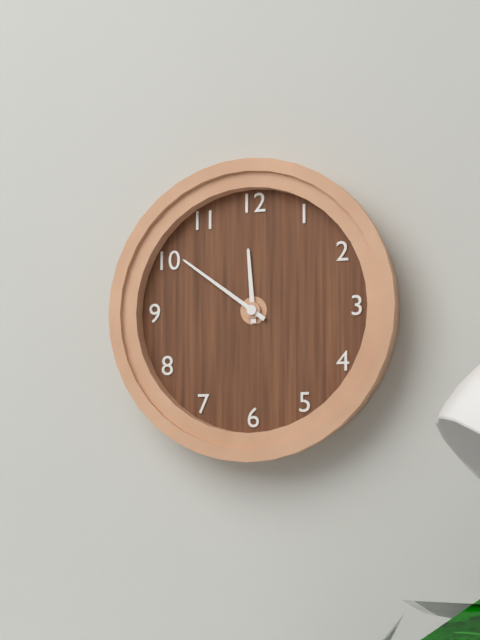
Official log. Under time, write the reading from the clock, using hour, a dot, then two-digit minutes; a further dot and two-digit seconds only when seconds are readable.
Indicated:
11.51
